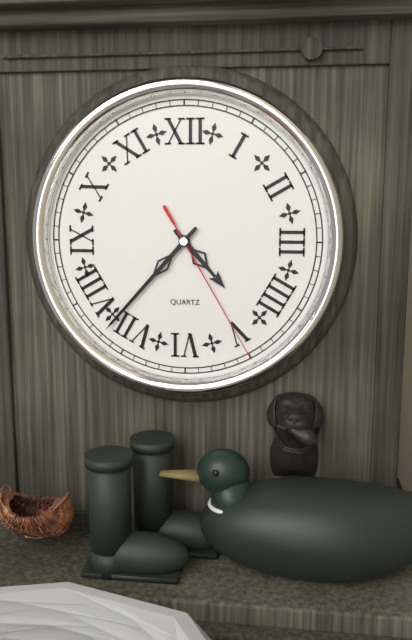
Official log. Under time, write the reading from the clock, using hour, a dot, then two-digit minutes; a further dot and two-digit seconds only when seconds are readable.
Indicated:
4.37.25
